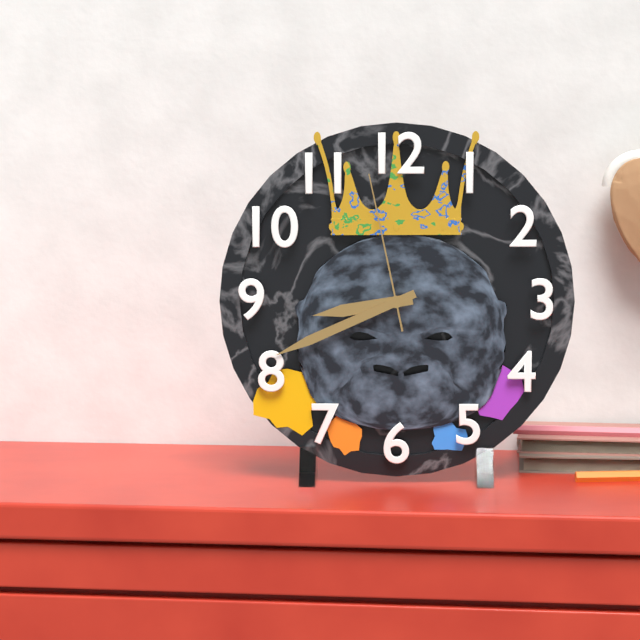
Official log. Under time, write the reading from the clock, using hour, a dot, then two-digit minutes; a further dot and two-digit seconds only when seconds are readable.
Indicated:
8.41.58
